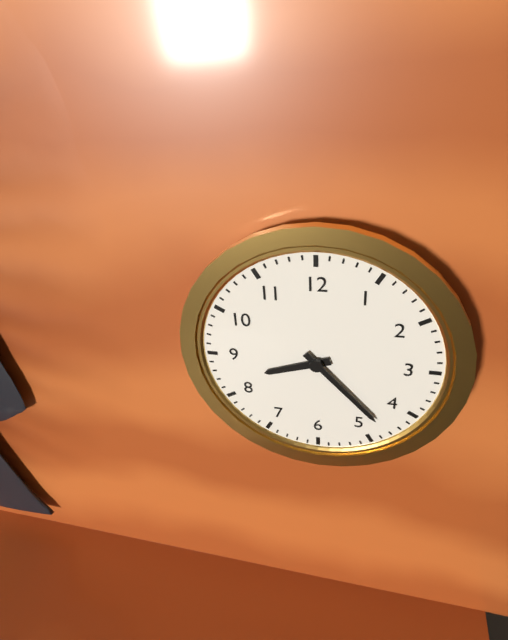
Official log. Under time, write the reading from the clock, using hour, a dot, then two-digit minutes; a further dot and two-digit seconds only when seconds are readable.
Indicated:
8.23
